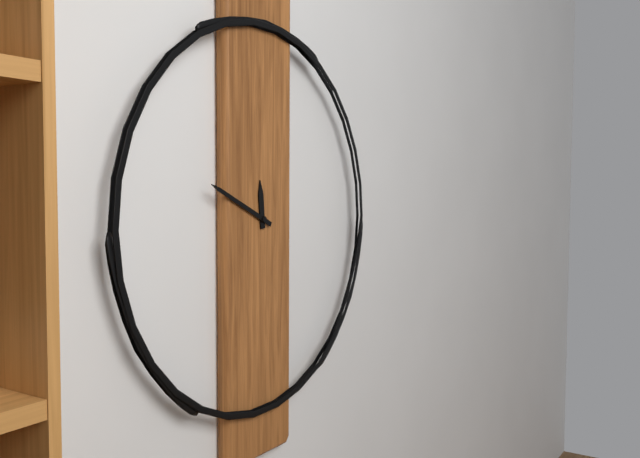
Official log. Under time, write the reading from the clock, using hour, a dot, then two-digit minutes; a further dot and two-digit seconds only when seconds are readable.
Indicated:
11.49
